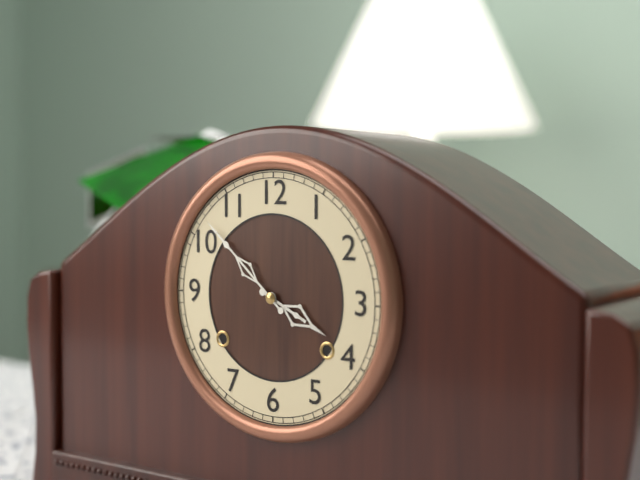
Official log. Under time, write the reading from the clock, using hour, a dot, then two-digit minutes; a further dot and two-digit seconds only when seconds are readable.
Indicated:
3.52
